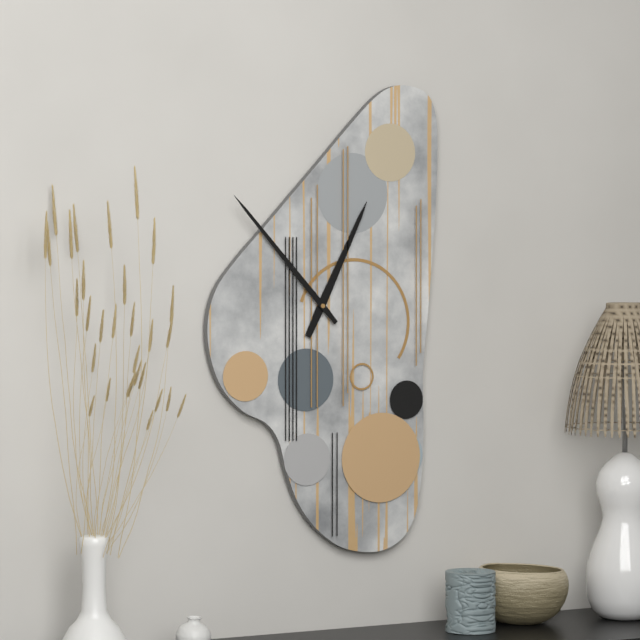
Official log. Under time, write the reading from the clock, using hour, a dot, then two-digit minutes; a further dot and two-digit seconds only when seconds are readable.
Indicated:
12.53
